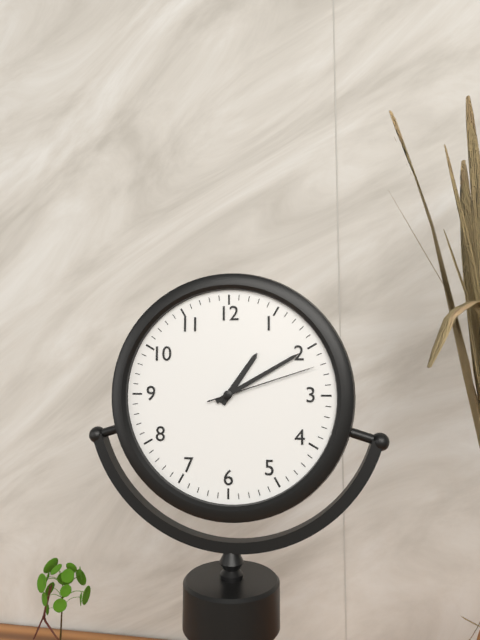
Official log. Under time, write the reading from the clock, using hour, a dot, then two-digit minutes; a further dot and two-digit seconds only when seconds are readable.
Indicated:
1.10.12
